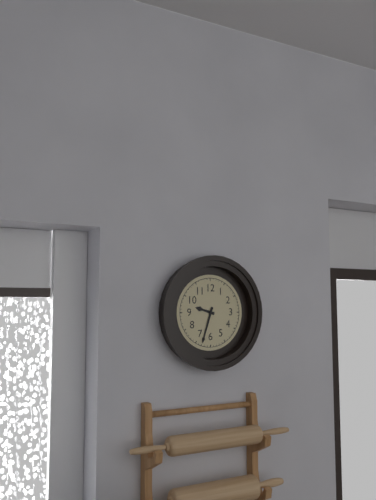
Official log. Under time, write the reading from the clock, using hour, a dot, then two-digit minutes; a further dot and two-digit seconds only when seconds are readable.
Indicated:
9.33
